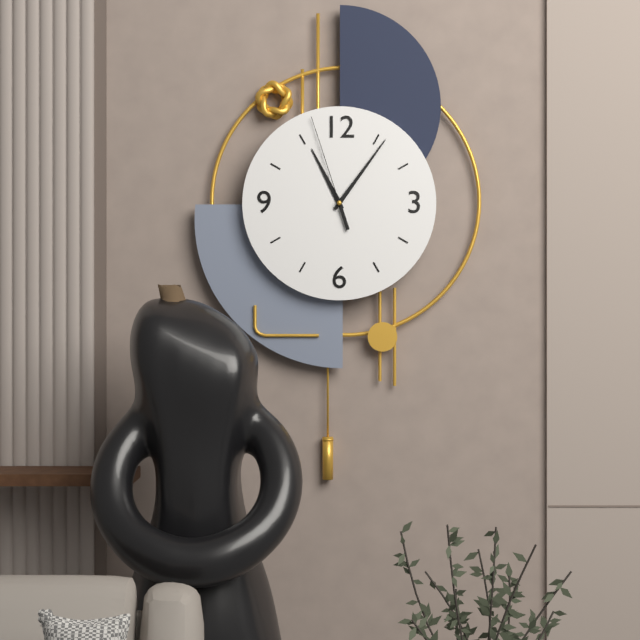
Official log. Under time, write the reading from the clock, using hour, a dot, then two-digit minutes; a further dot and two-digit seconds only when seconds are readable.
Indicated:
11.06.57
